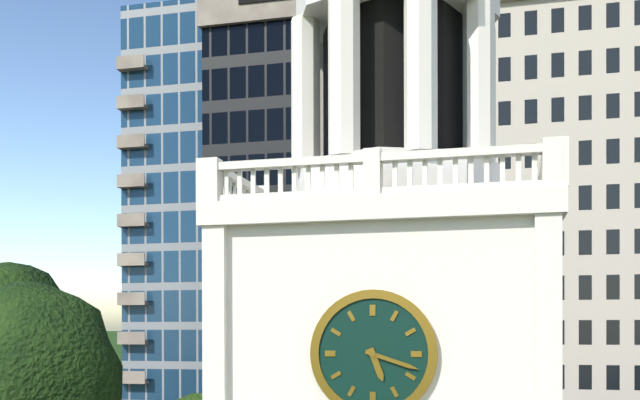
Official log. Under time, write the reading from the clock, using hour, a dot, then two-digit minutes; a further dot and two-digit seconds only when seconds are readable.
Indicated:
5.18
